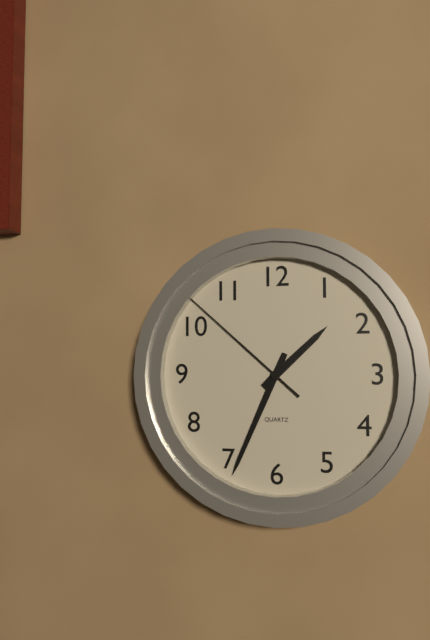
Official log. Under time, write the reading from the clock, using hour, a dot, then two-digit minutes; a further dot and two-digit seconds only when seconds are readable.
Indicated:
1.34.52
